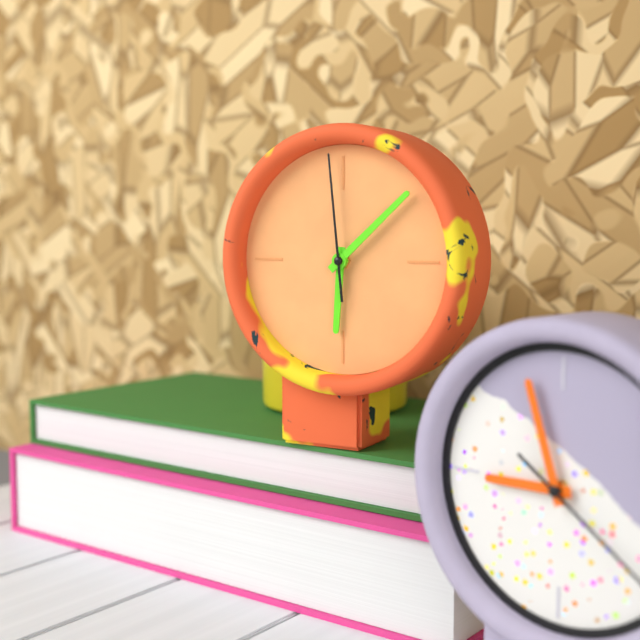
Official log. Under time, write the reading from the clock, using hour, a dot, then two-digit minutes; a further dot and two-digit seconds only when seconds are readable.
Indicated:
6.08.59
